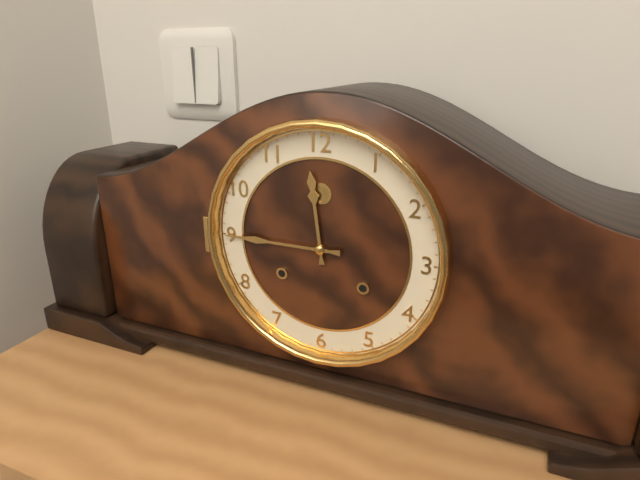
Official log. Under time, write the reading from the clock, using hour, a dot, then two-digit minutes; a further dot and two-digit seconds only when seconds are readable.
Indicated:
11.45
